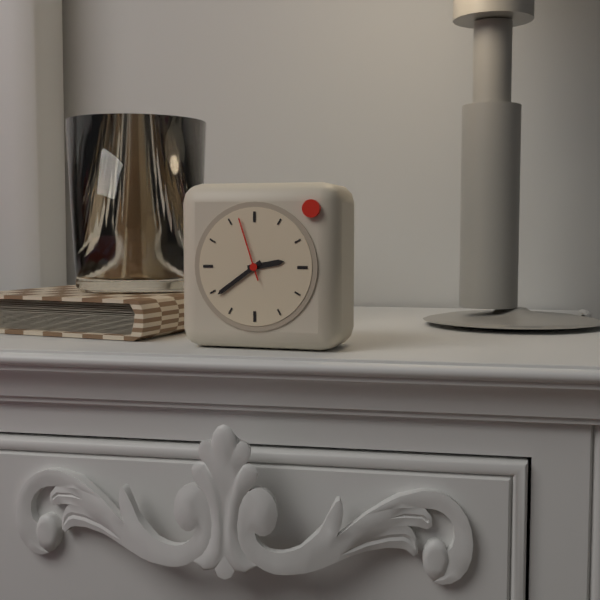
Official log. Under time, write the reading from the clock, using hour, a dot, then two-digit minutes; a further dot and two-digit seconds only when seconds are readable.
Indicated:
2.39.57
